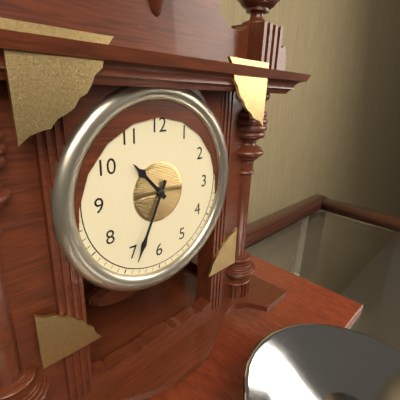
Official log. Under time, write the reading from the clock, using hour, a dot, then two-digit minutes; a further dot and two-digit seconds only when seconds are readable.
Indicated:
10.34
